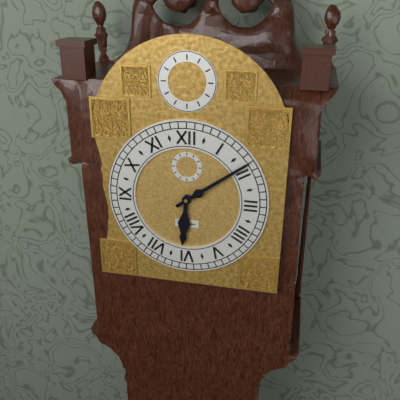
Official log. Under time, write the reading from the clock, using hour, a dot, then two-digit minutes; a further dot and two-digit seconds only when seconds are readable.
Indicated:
6.09
